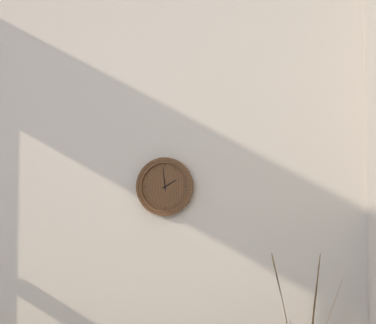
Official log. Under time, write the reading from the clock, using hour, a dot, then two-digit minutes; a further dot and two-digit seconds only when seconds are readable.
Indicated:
1.59
